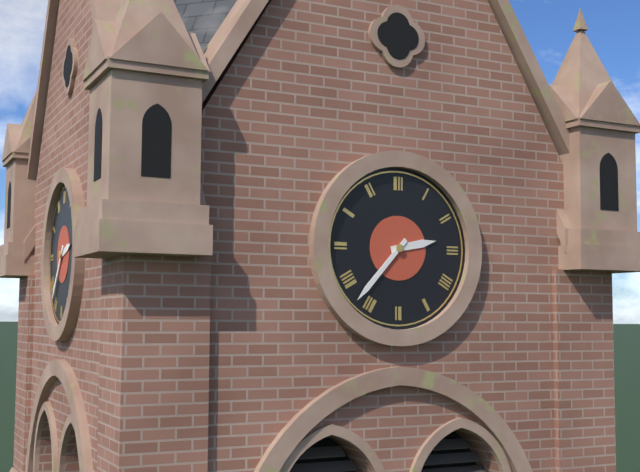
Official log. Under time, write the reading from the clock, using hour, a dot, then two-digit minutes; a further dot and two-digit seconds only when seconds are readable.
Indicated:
2.37
